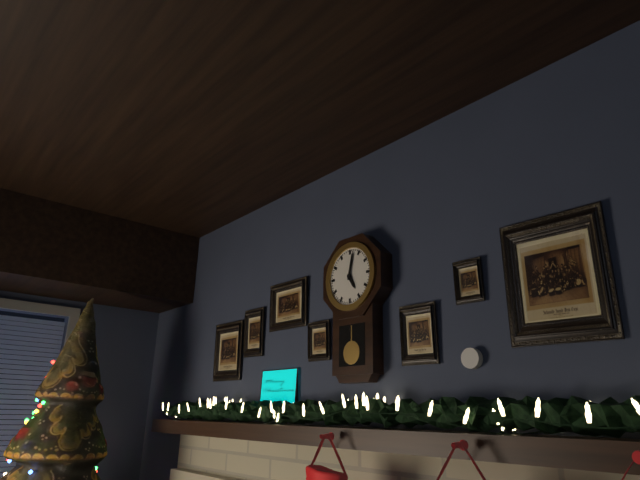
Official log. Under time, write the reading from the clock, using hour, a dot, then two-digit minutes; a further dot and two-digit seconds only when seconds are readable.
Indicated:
5.02
